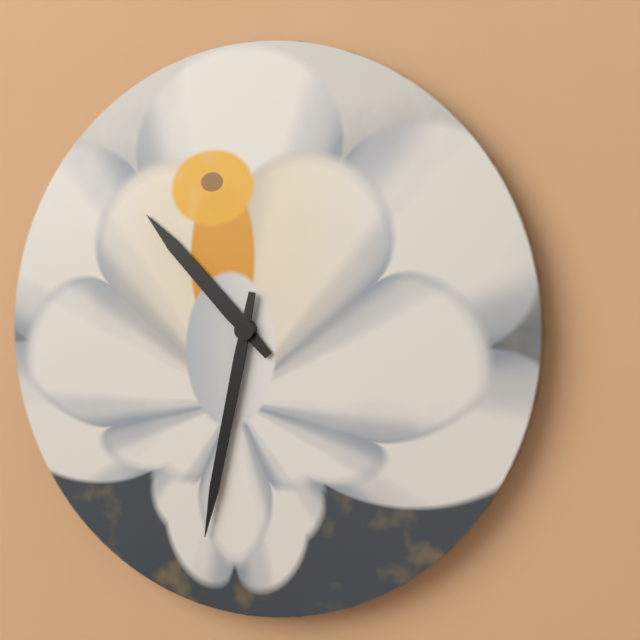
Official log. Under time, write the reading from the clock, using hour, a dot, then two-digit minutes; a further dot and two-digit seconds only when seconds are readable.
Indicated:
10.32
